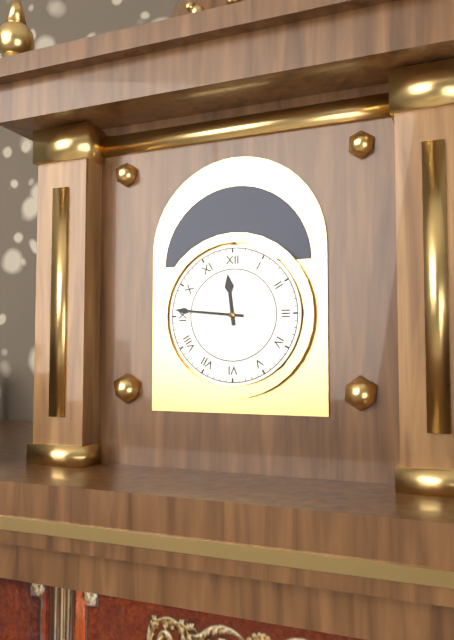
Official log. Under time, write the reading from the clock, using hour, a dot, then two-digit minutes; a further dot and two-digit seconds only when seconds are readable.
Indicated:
11.46
